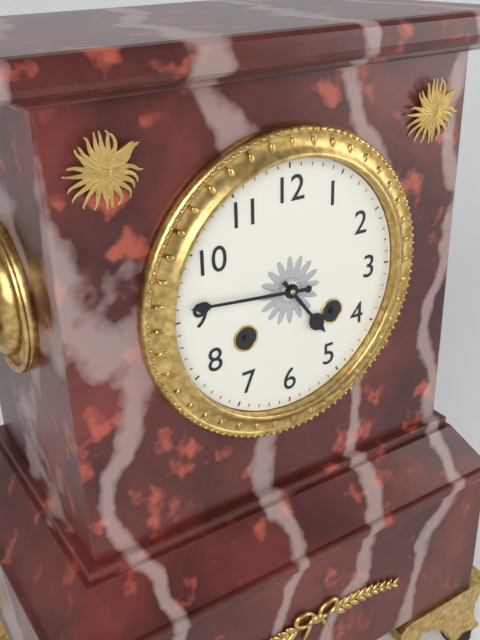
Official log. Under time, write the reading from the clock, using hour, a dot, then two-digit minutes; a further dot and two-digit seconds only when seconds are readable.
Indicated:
4.46
